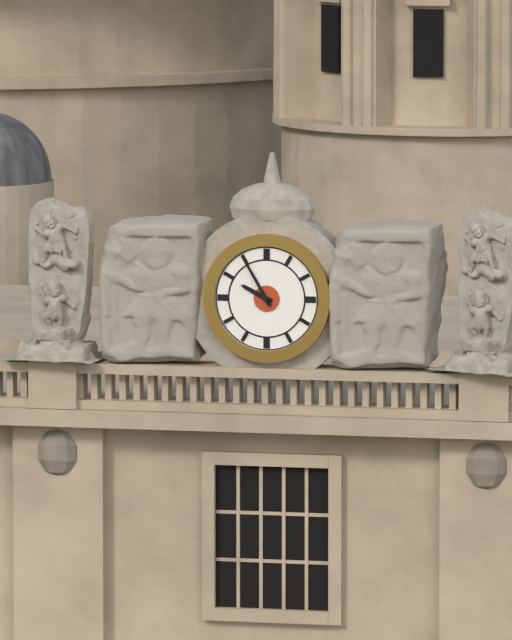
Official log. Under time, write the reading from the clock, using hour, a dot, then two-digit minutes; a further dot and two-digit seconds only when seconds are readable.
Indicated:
9.55
